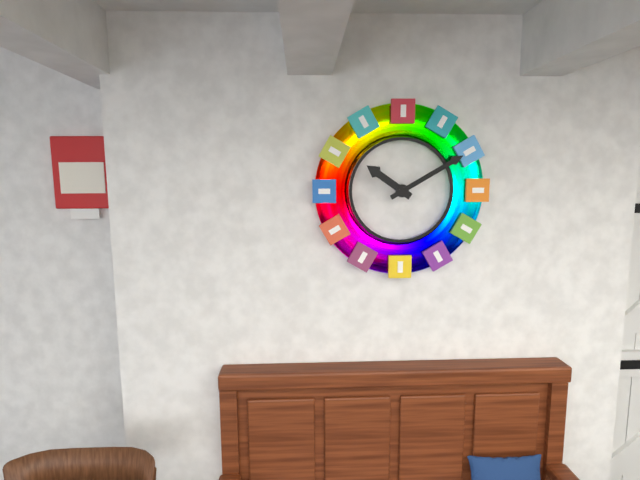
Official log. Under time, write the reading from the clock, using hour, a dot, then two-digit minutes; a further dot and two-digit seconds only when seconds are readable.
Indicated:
10.10
